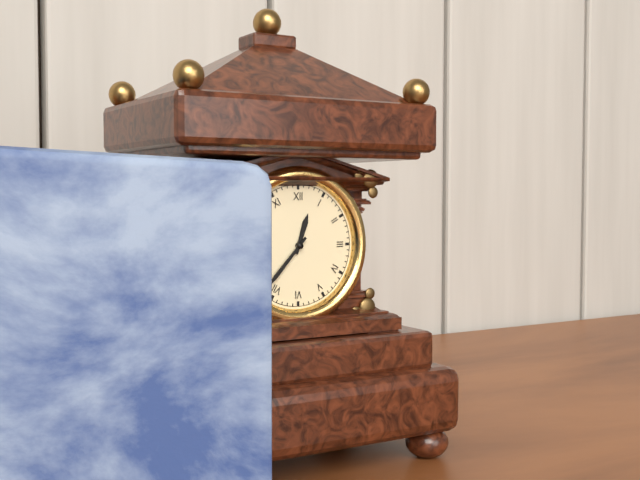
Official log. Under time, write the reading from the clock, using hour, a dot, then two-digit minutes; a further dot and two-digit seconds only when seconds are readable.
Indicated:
12.37
